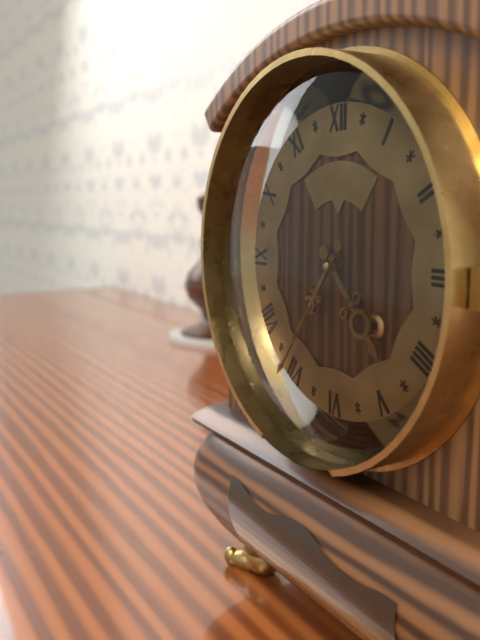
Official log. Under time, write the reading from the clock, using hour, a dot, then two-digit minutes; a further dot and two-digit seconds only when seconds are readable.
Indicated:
4.36
